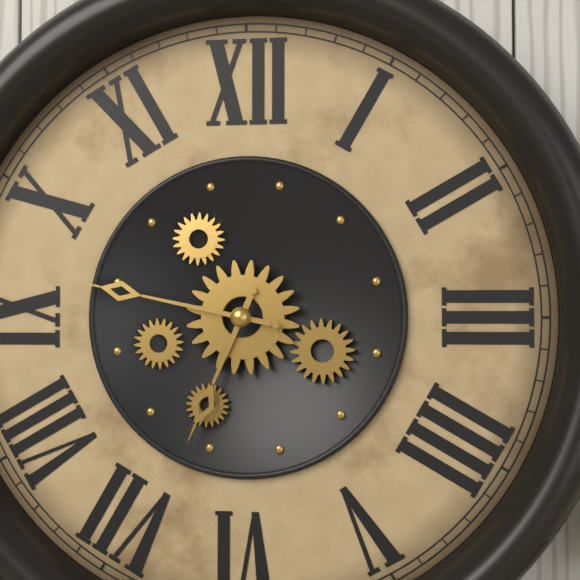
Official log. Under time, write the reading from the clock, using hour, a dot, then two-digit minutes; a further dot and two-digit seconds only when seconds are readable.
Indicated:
6.47
